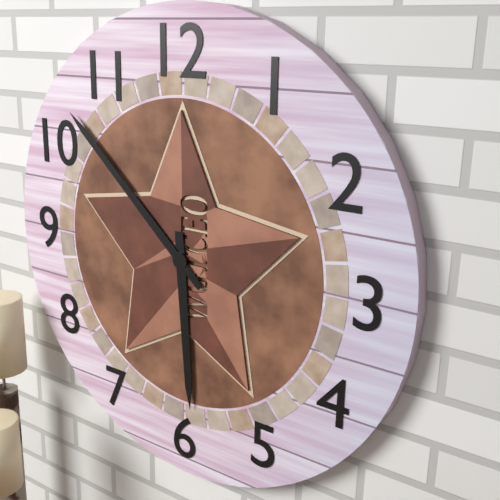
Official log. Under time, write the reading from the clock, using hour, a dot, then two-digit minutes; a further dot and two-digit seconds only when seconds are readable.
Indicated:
5.52
